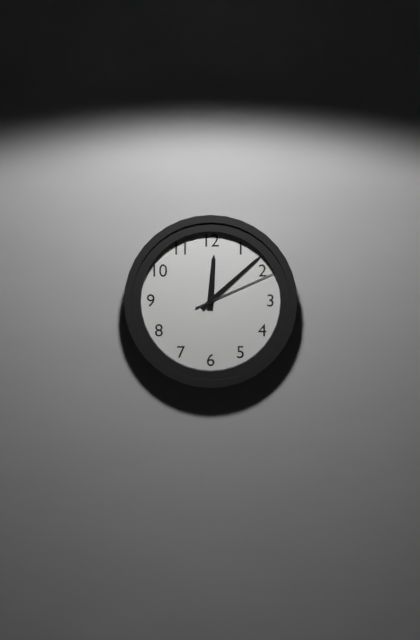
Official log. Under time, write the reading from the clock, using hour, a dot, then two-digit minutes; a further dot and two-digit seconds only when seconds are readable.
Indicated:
12.08.11
